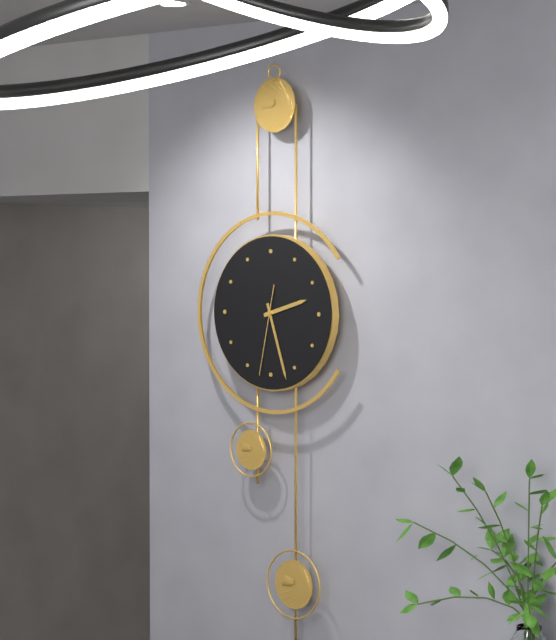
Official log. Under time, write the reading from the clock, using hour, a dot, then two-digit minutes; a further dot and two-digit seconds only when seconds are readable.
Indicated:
2.27.32
